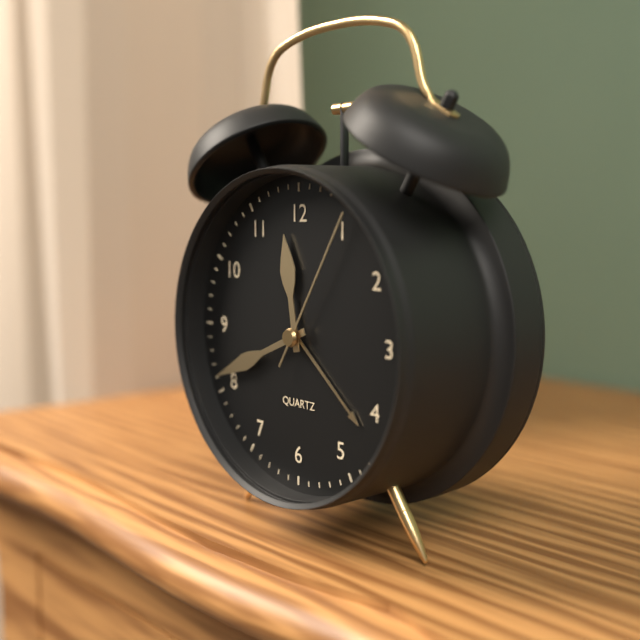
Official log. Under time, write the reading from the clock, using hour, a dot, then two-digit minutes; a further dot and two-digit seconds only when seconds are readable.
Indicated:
11.41.05
